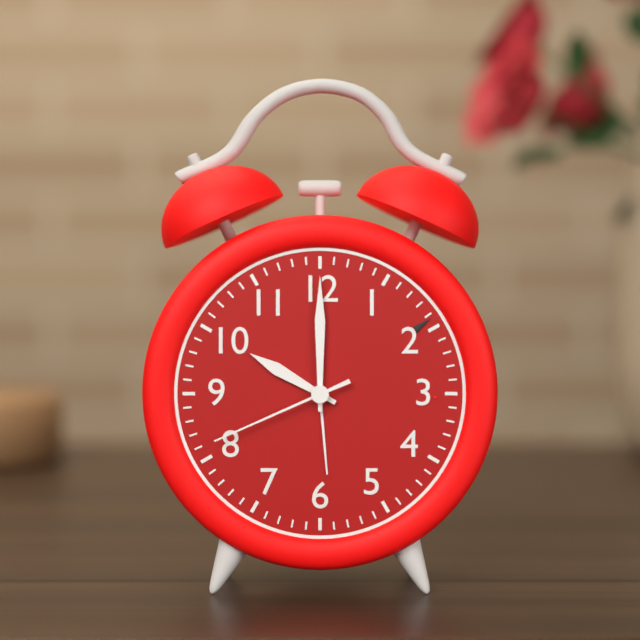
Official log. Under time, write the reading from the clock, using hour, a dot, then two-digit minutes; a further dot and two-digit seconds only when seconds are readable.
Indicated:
10.00.41
